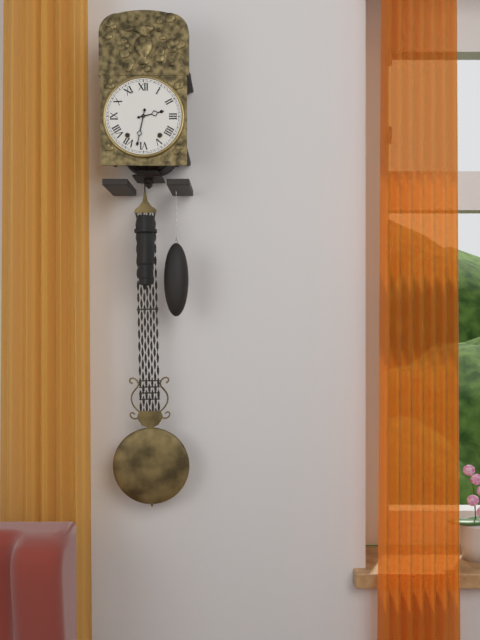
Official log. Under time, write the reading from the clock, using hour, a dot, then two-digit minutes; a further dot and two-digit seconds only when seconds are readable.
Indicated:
2.32
